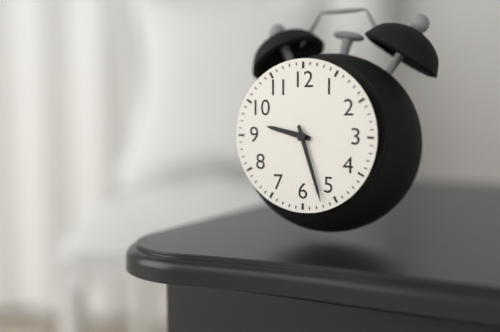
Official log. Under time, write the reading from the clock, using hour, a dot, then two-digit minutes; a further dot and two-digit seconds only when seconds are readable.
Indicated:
9.27
